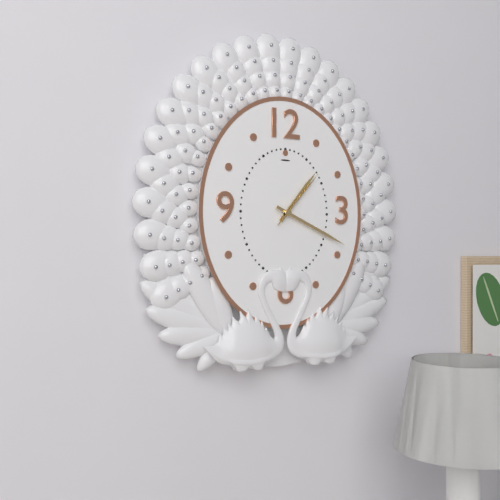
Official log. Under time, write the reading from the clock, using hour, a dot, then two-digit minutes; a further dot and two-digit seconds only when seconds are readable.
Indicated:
1.19.07
